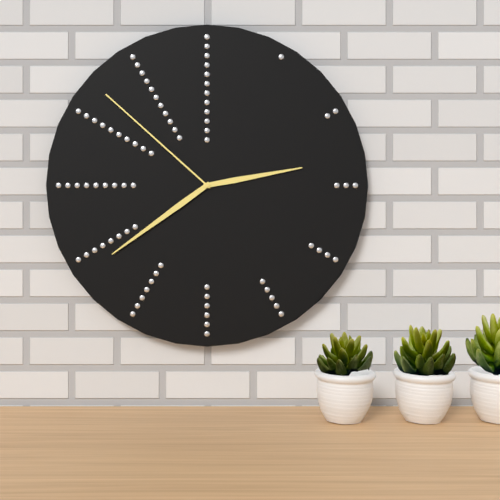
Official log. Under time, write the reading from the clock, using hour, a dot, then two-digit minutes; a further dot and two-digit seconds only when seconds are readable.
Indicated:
2.39.52
